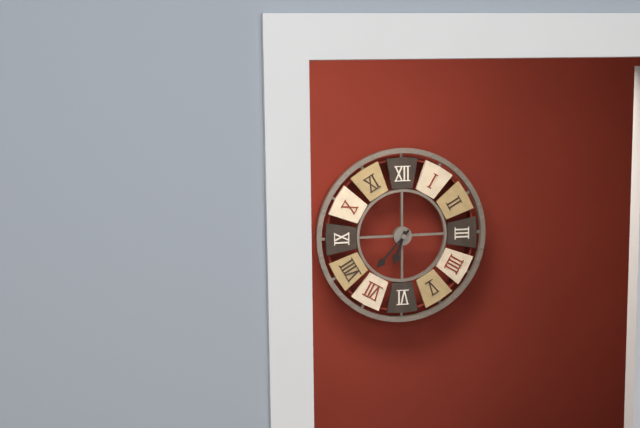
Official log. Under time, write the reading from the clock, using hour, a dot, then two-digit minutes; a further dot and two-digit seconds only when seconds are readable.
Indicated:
6.37
